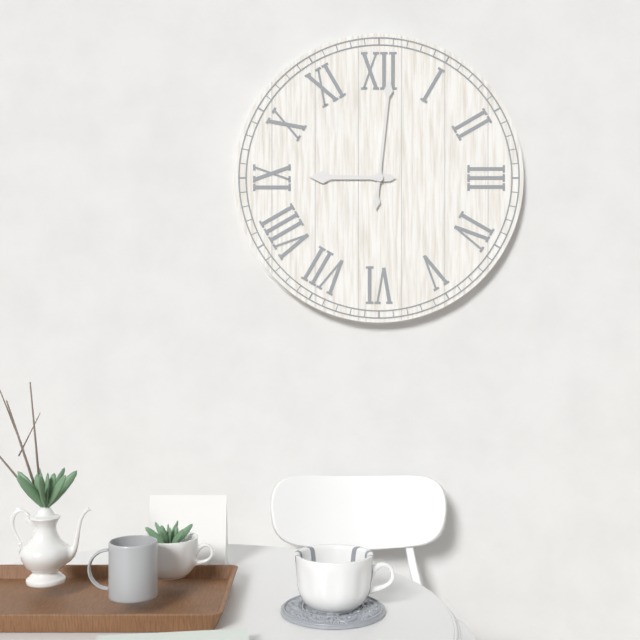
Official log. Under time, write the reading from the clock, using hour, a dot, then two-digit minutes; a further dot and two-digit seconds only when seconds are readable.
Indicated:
9.01
